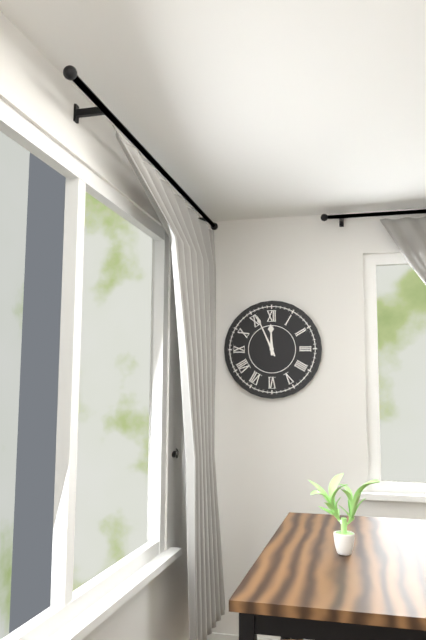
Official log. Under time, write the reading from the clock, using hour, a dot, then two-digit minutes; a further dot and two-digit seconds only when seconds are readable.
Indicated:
11.56
